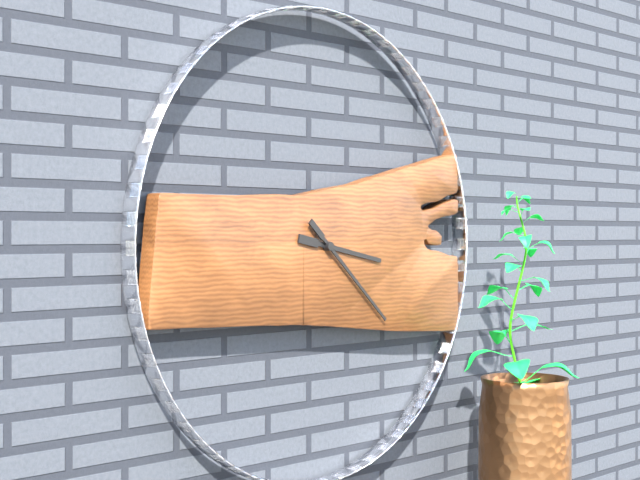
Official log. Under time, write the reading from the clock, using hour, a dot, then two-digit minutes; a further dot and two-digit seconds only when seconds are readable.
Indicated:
3.22
